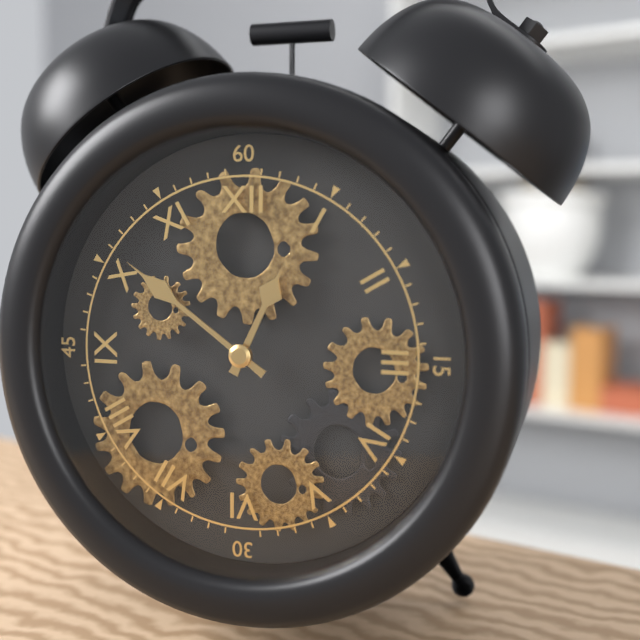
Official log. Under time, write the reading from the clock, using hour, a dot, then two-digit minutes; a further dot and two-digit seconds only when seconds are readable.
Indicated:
12.51
